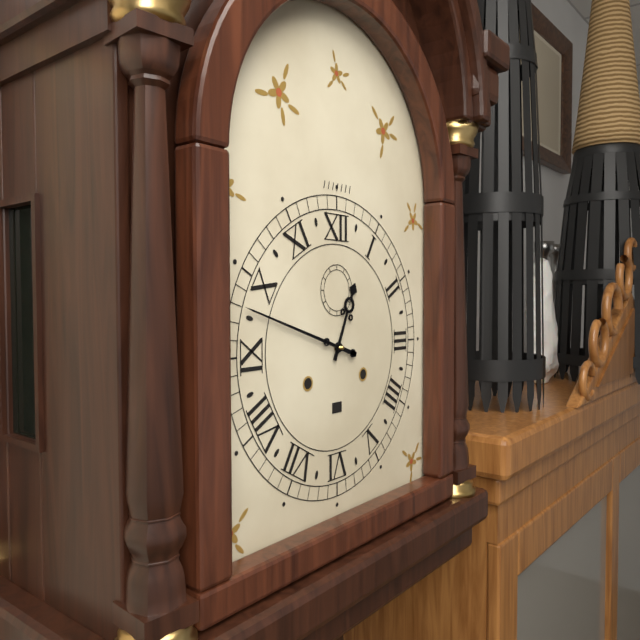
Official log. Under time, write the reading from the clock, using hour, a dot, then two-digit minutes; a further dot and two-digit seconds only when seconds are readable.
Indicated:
12.48
